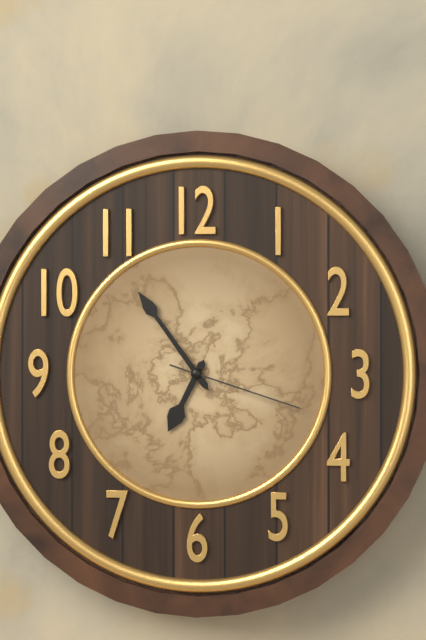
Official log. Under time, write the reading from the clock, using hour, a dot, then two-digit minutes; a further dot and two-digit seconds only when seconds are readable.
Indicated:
6.54.18
